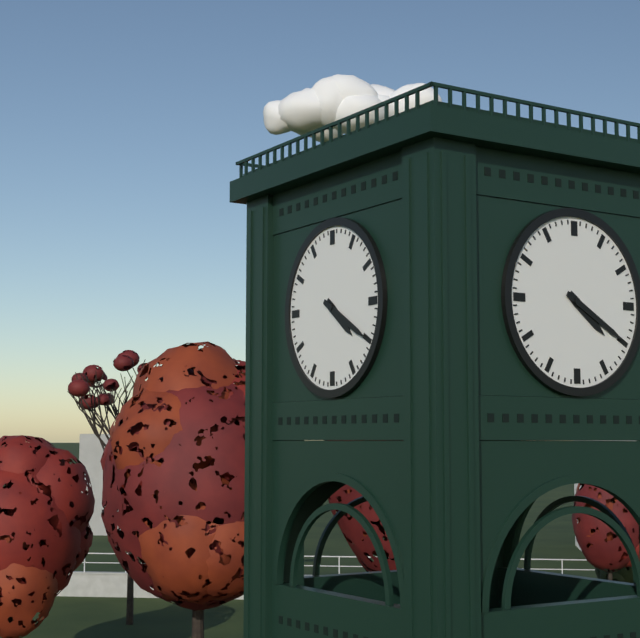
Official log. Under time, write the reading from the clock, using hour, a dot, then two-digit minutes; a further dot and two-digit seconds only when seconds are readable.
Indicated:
4.20
